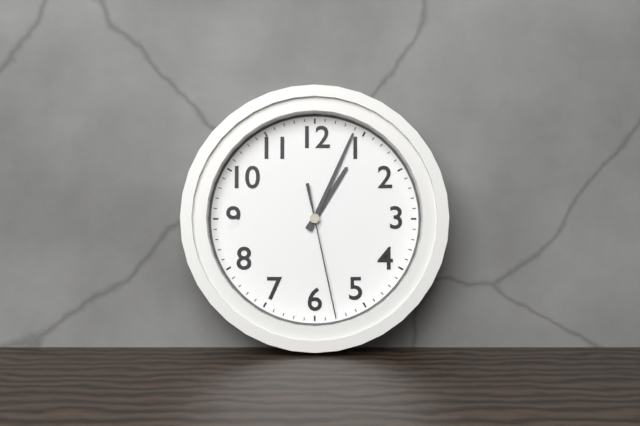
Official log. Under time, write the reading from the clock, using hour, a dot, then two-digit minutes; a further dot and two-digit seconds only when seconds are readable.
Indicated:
1.04.28
